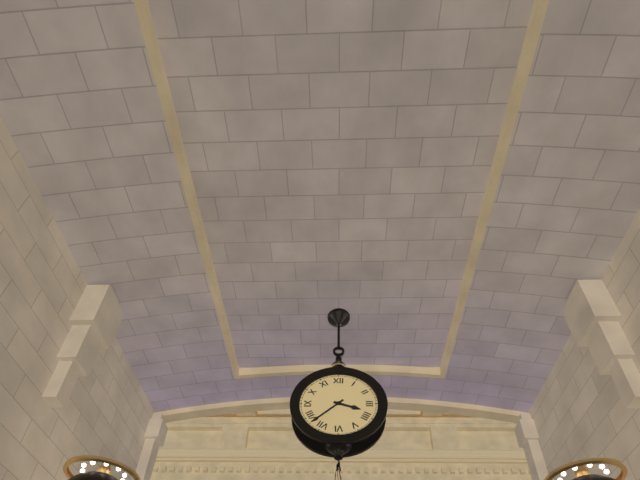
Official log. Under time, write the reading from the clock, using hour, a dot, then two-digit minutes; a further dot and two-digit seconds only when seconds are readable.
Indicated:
3.38
